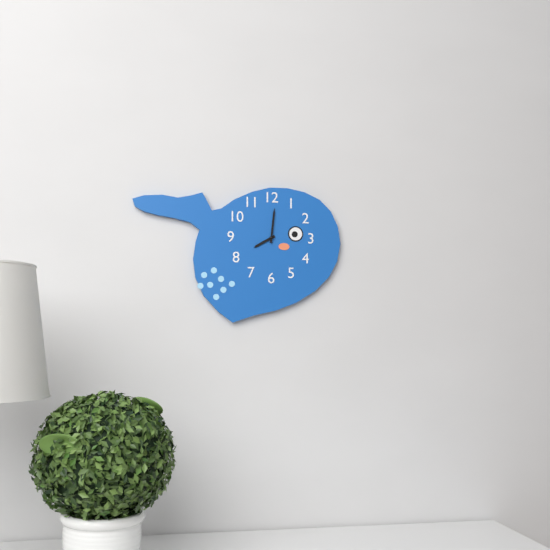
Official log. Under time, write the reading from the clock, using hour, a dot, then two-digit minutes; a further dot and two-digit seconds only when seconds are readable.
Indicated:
8.01
